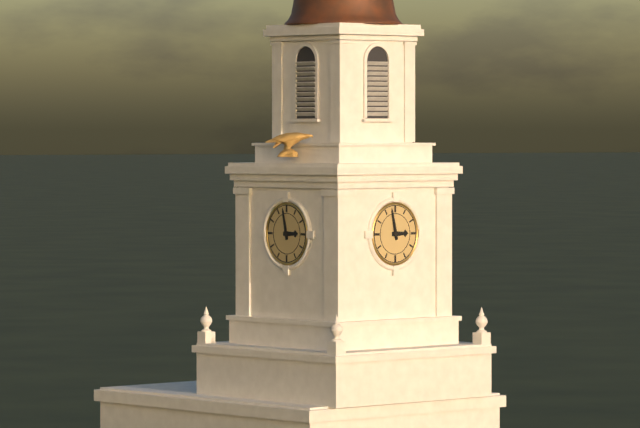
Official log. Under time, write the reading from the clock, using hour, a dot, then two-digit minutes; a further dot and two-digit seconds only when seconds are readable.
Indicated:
2.58
